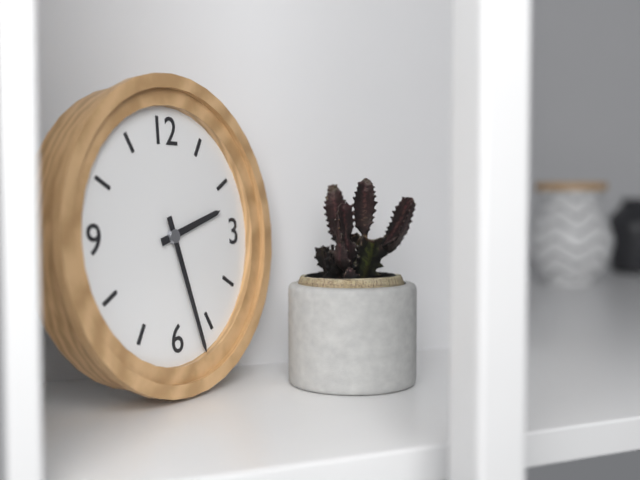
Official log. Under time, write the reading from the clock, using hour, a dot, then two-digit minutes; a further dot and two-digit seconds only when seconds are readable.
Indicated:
2.27
